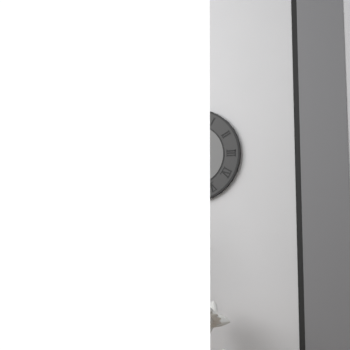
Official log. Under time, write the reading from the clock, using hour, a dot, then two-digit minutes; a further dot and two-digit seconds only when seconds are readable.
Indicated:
11.39
